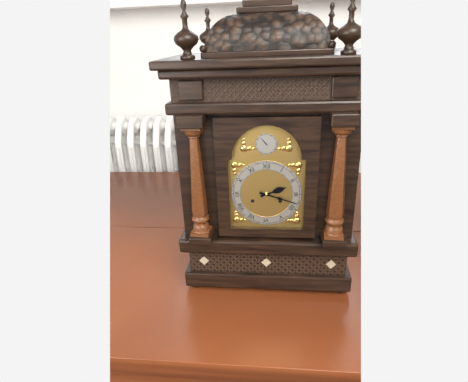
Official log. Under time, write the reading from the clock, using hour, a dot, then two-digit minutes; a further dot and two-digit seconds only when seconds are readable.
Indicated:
2.18
